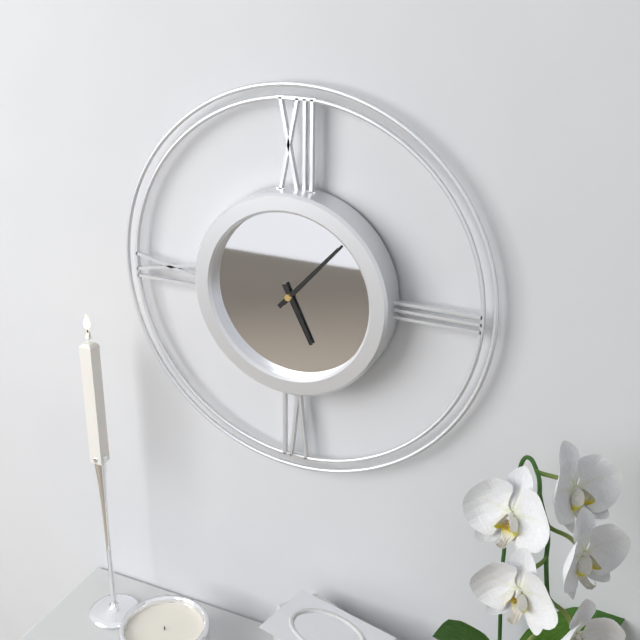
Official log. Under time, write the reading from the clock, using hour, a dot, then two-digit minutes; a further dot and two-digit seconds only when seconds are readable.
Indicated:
5.07
